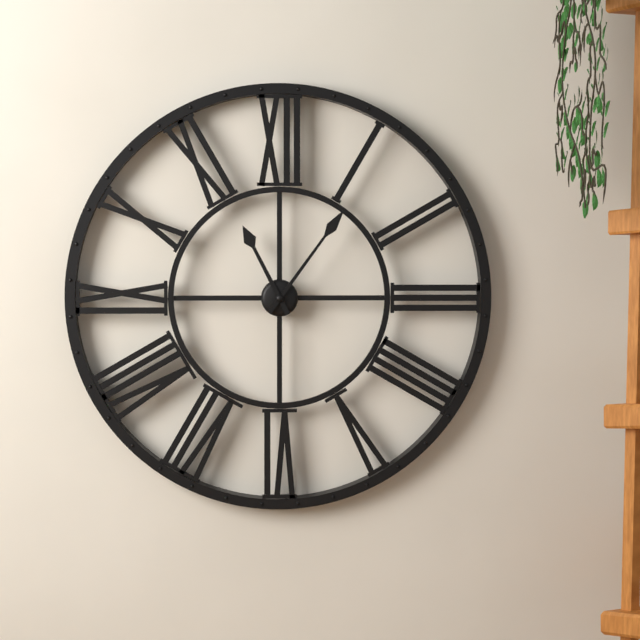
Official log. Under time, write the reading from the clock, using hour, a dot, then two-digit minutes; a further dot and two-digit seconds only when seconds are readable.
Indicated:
11.06
